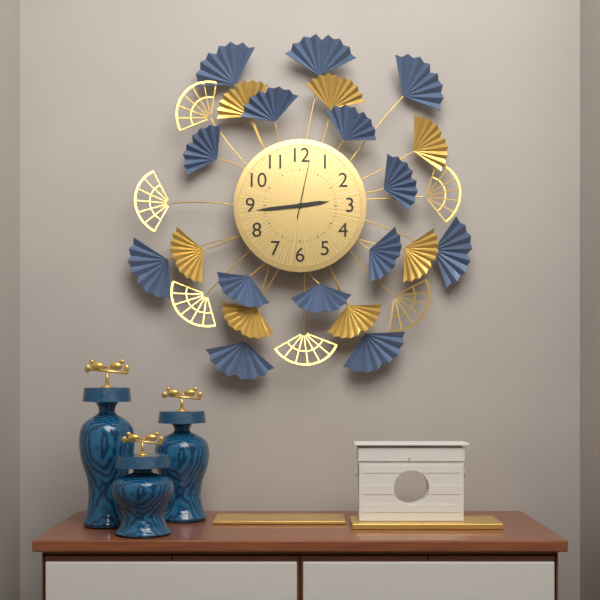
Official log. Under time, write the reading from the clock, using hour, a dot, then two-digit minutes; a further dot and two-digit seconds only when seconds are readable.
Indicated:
2.44.02
